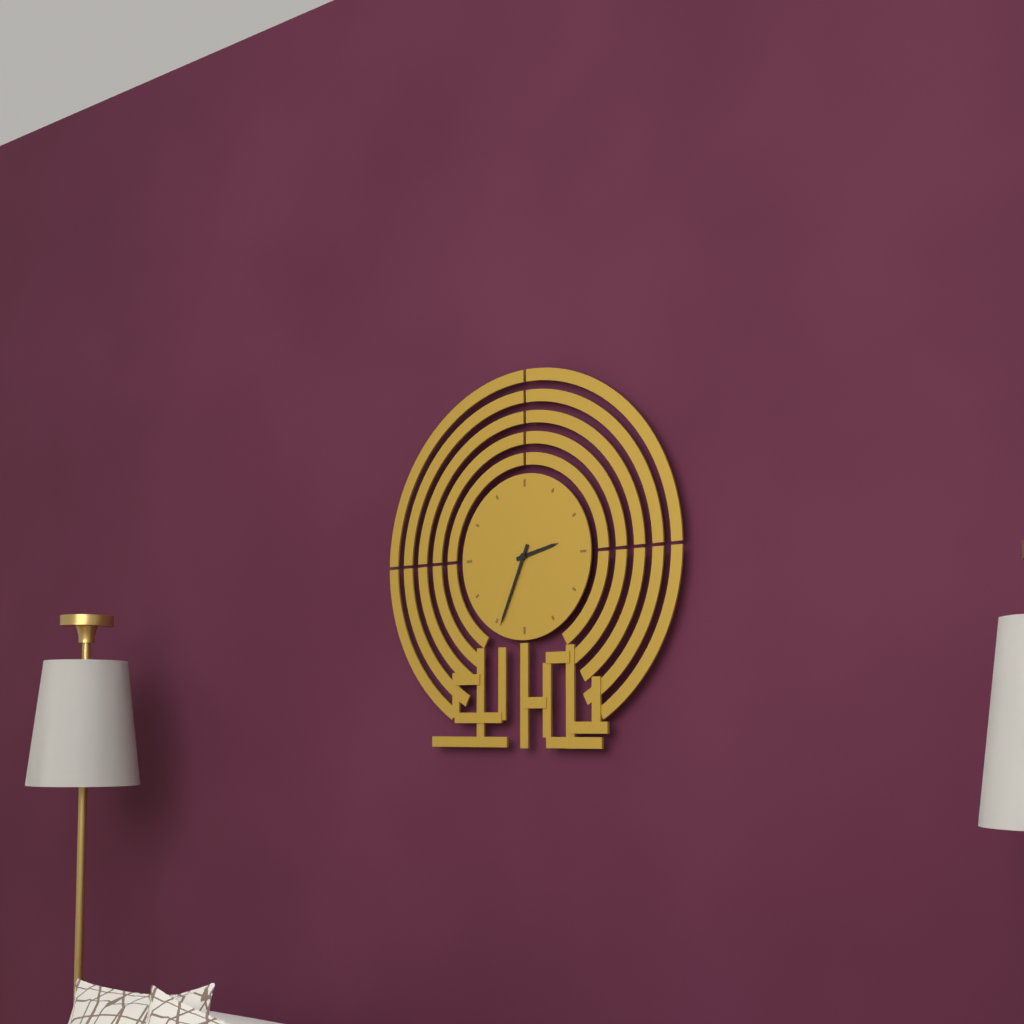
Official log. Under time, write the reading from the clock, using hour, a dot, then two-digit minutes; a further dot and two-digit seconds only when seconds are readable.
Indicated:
2.34
